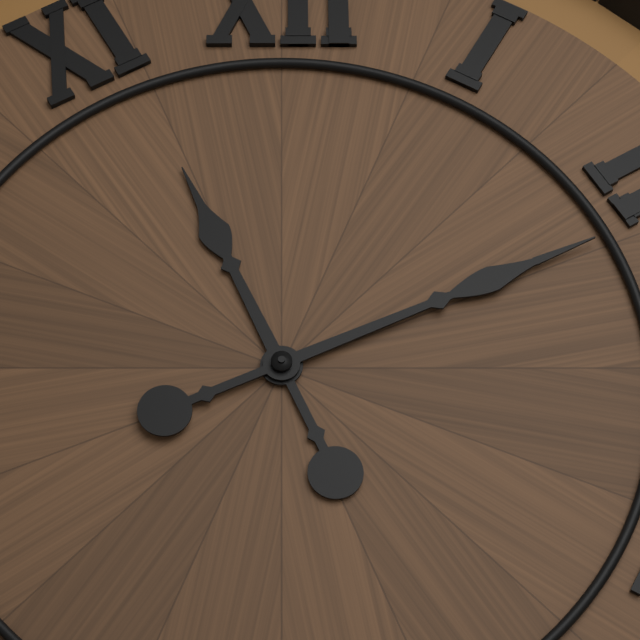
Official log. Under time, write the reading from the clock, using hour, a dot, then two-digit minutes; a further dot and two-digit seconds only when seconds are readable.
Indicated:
11.11
